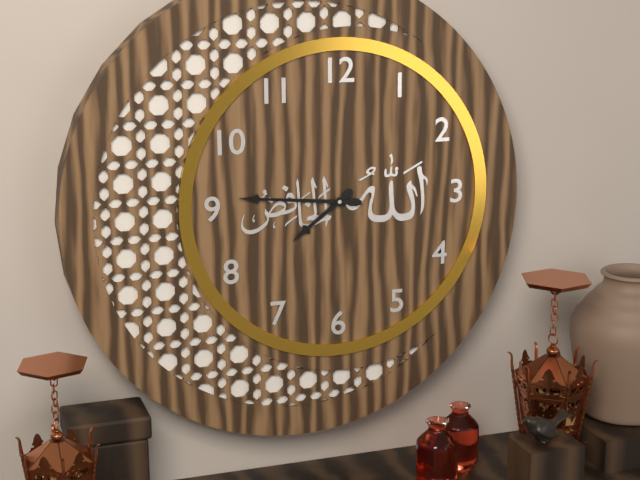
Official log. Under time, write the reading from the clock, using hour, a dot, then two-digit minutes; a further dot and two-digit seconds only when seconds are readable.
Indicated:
7.46
